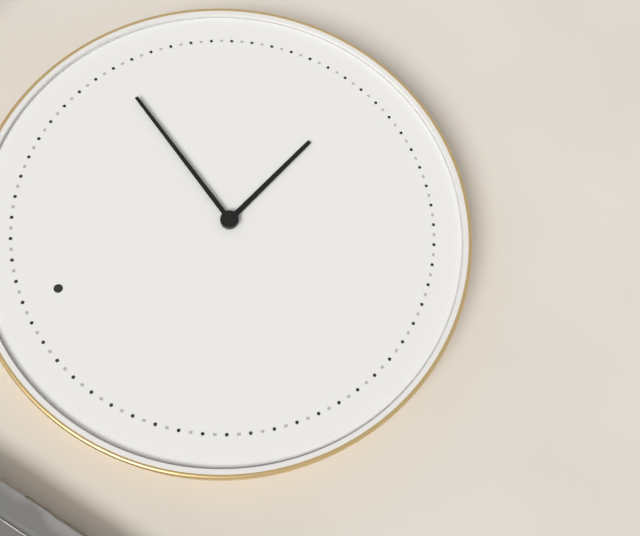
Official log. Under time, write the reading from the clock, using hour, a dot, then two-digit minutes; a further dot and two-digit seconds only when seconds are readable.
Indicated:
5.13
